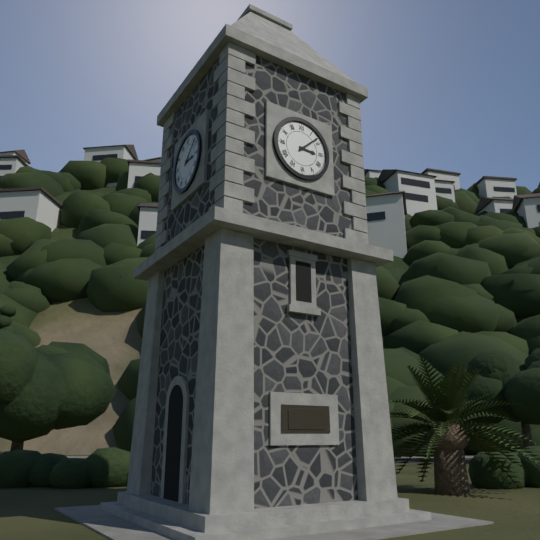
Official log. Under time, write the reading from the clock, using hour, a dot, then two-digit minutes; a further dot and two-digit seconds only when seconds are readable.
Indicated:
3.08
